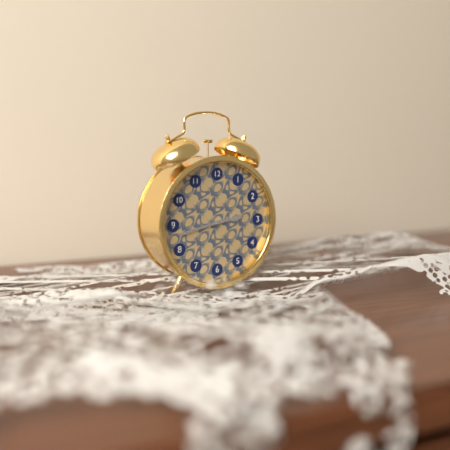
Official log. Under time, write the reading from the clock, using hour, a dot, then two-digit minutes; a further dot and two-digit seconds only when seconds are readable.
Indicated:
2.43
